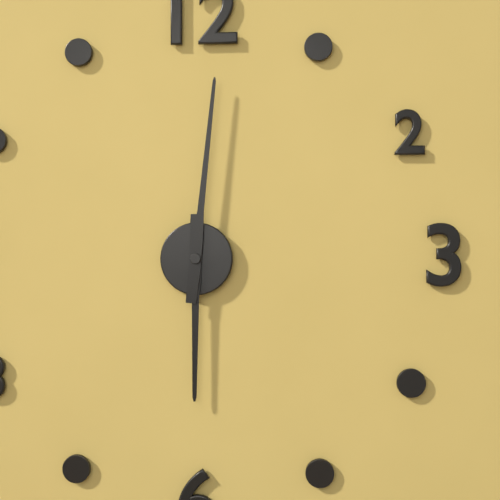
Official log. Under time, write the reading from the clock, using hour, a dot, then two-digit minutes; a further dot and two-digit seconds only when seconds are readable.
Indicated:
6.01
